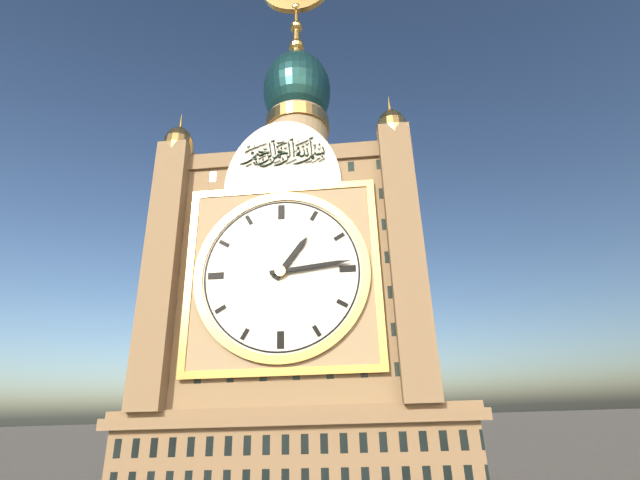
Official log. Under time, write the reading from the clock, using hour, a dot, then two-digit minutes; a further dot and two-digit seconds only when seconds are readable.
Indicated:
1.14
